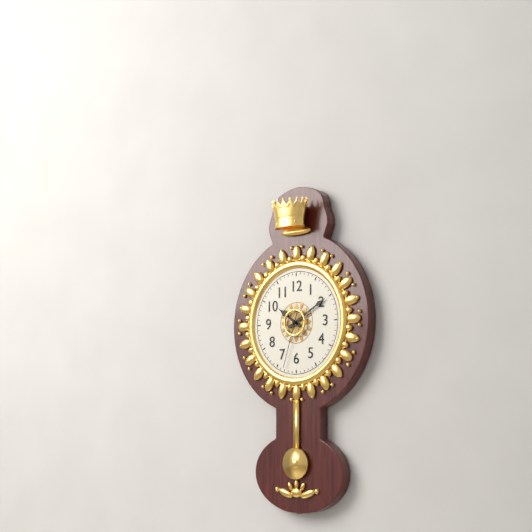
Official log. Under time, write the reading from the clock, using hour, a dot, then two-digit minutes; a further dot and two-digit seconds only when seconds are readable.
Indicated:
10.10.33
